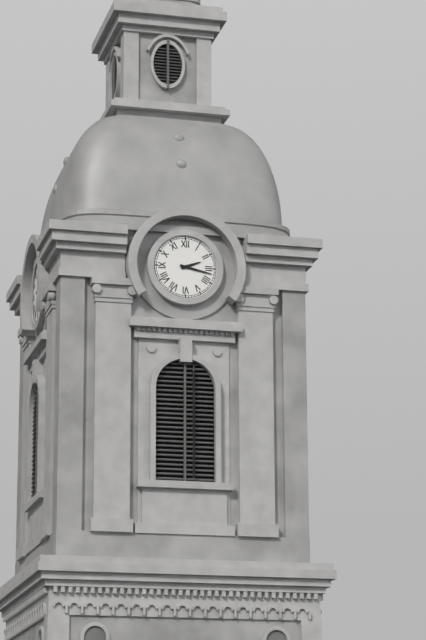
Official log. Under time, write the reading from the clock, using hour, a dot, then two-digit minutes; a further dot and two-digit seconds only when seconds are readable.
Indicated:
2.17
